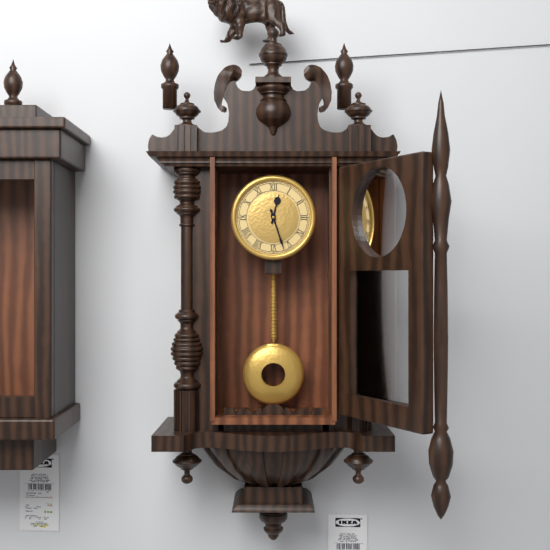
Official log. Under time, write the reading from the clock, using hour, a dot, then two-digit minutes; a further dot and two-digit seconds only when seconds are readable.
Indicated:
12.27
